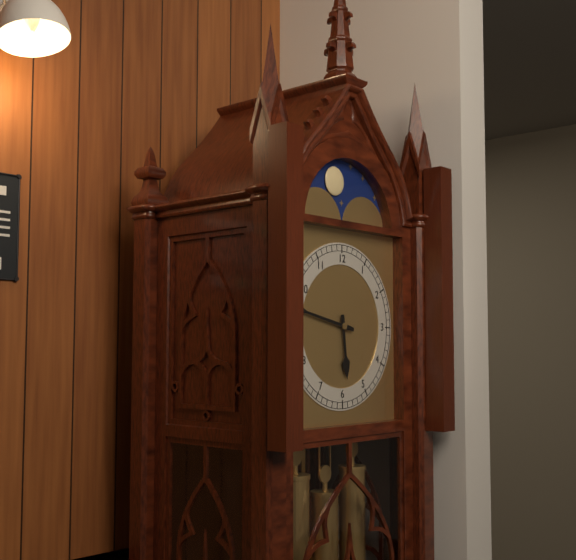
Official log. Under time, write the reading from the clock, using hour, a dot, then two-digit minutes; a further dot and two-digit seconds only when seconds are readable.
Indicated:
5.47
